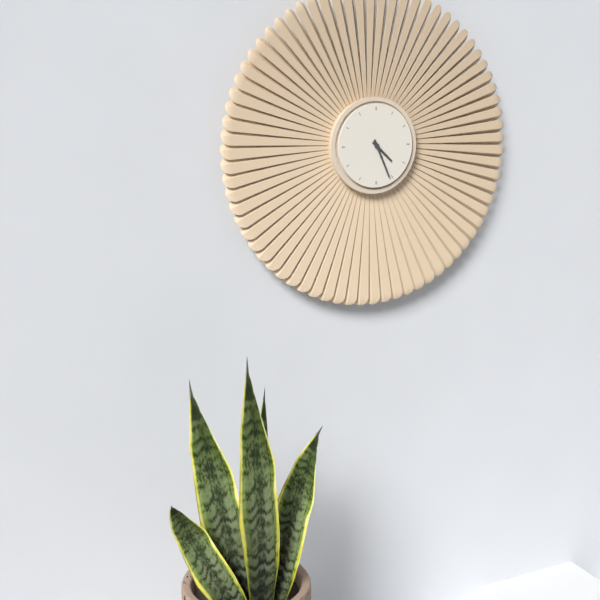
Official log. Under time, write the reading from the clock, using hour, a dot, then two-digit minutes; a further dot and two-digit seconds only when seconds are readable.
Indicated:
4.26
